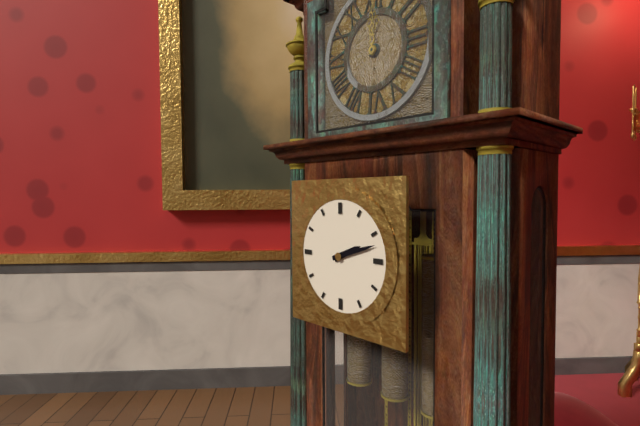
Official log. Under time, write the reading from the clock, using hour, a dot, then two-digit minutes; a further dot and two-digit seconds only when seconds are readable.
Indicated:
2.12
